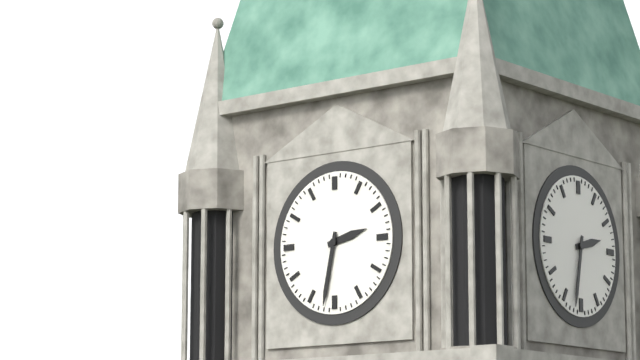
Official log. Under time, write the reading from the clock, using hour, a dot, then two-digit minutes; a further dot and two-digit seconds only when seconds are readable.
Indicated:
2.32
